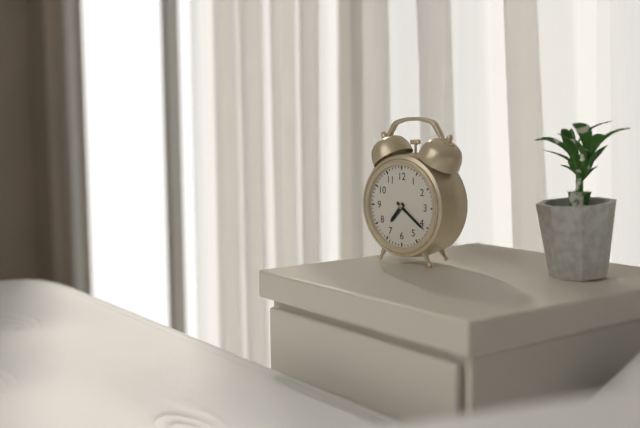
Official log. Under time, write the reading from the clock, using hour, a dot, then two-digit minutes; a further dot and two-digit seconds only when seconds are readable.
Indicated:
7.21
